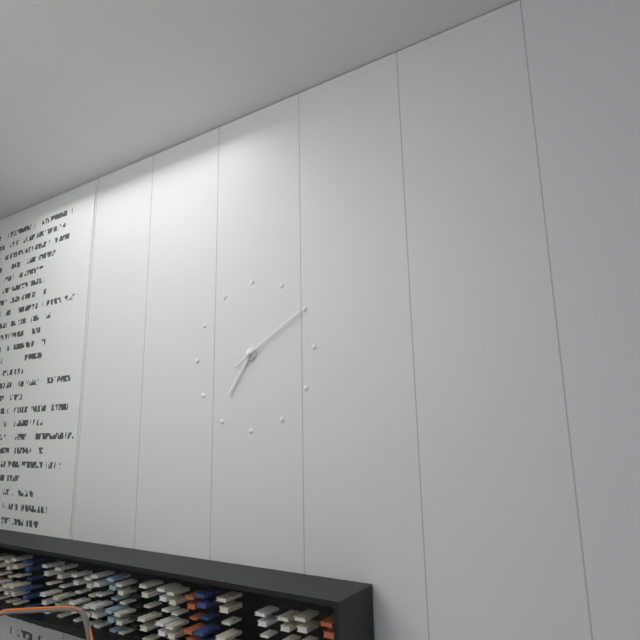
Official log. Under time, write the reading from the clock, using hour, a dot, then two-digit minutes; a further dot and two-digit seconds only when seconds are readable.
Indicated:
7.10
